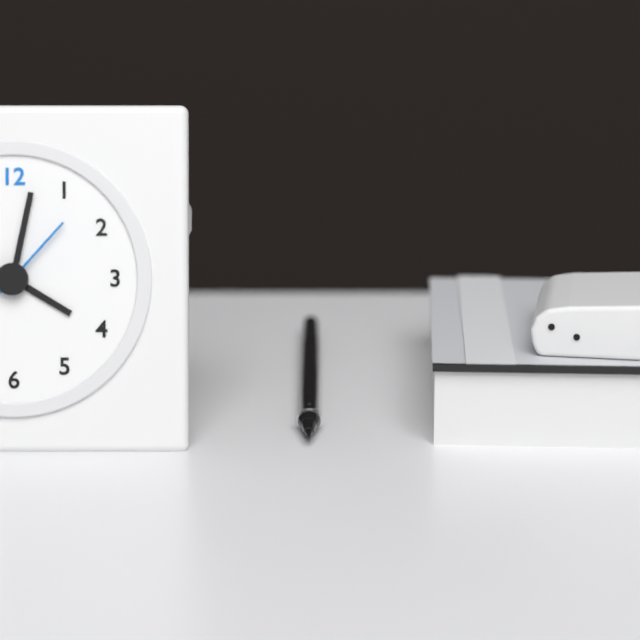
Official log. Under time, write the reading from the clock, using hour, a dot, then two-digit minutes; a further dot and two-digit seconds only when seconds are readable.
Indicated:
4.02.07
